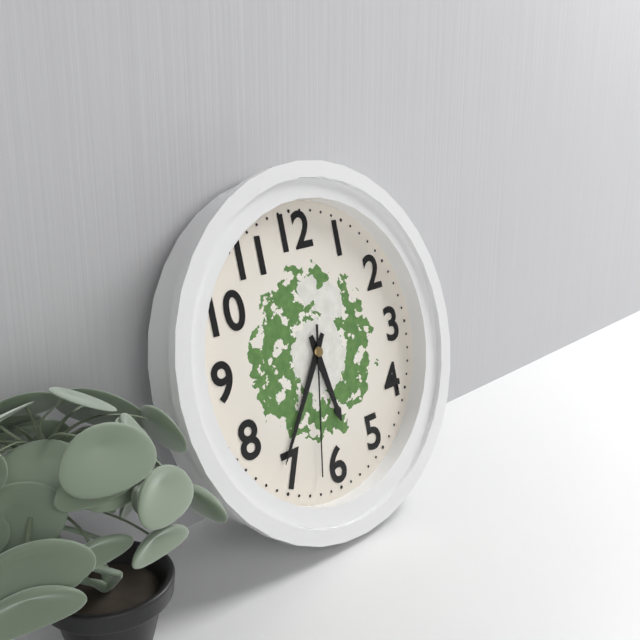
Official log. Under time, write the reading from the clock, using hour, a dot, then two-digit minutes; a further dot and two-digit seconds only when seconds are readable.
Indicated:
5.36.32
